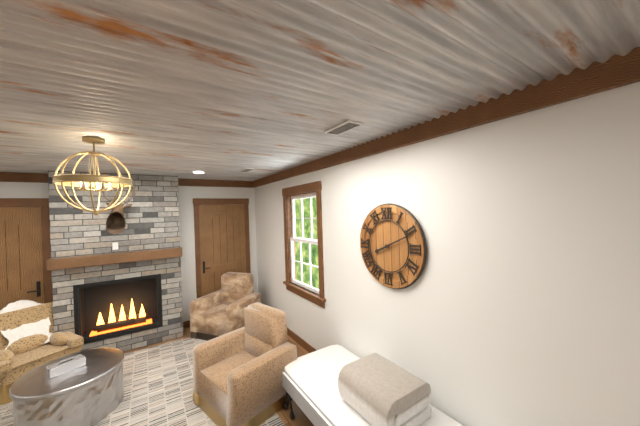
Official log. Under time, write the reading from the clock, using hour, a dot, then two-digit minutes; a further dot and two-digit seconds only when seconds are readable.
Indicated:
8.11
